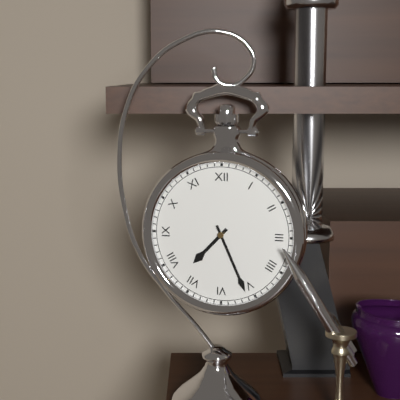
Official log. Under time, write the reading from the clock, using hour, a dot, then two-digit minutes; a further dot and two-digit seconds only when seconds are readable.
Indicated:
7.26
